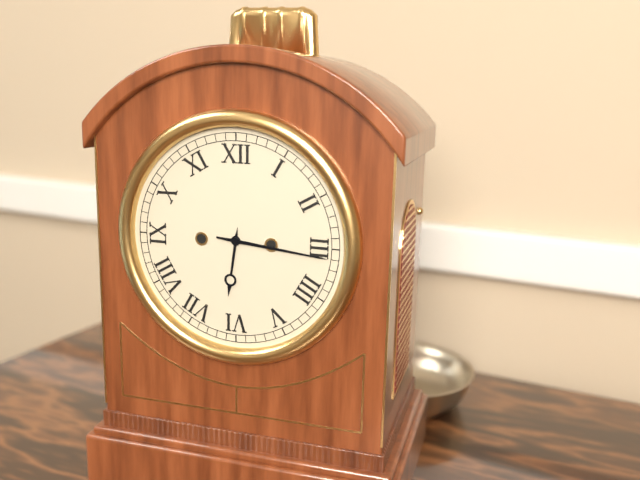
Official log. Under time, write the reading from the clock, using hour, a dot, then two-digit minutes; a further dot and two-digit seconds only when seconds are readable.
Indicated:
6.16
